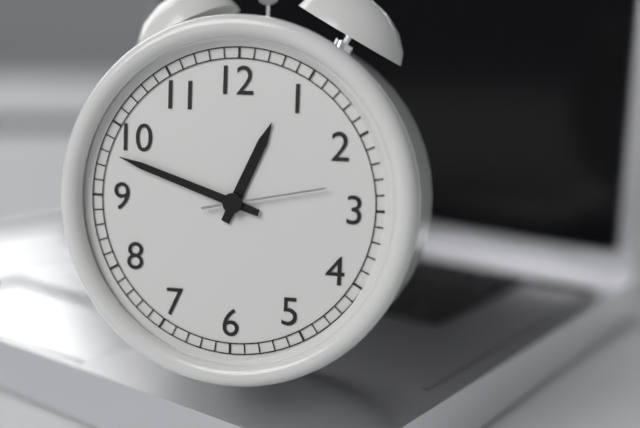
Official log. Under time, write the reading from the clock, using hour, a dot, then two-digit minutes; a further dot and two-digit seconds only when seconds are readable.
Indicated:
12.48.13
